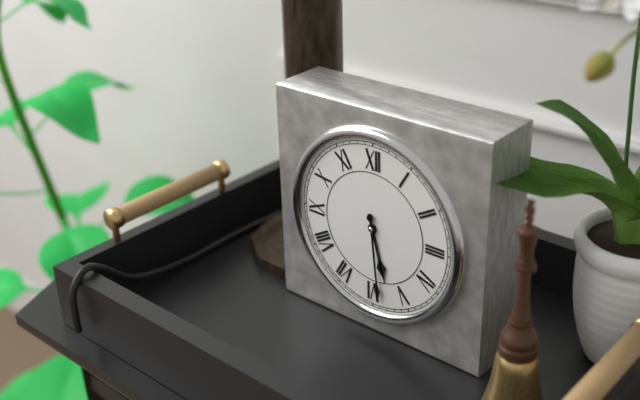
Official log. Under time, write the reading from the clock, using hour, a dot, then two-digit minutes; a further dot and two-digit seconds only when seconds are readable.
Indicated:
5.29
